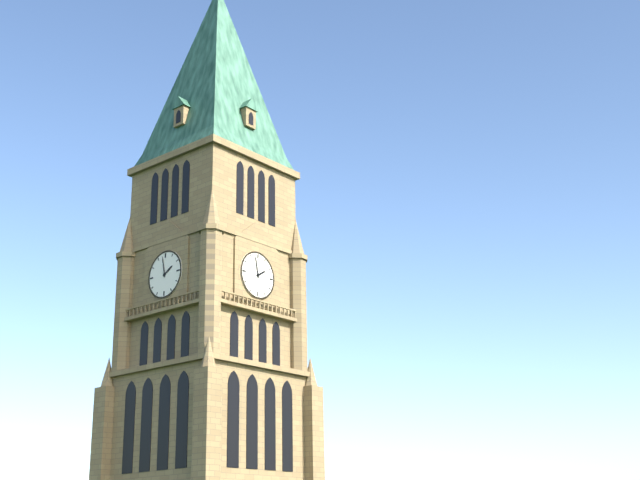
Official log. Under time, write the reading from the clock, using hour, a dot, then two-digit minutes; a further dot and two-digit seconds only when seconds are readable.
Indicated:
1.58
